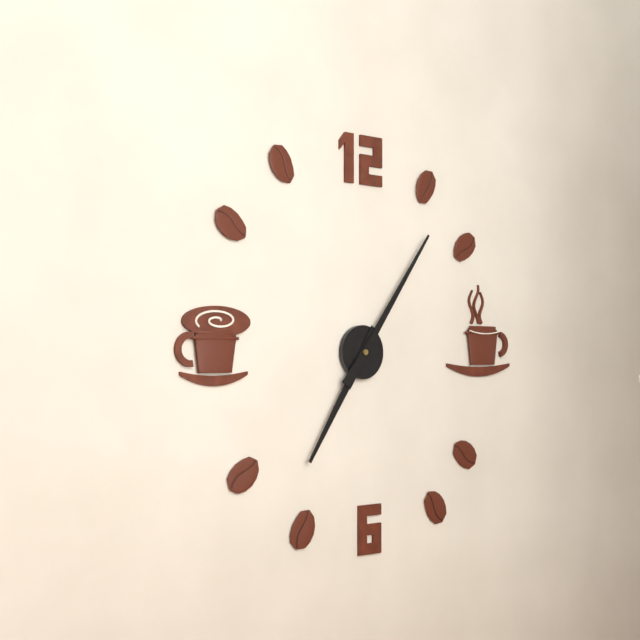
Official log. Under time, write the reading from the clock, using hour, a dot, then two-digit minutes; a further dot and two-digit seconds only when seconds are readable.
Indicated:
7.06
